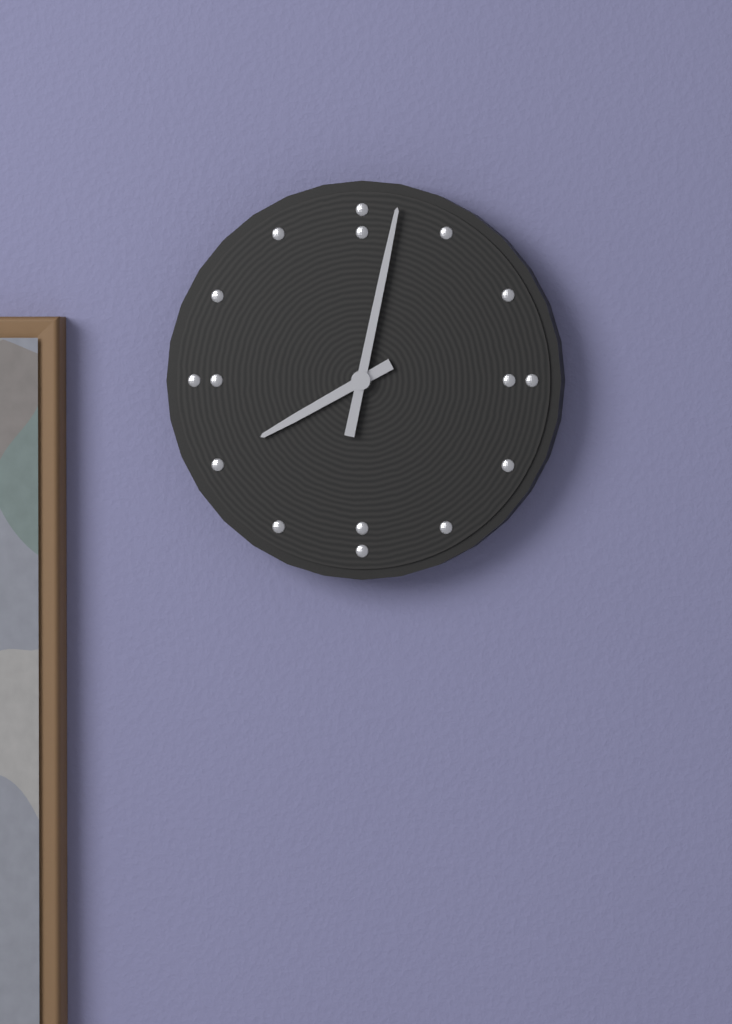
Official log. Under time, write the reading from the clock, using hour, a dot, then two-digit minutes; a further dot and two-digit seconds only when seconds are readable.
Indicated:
8.02
